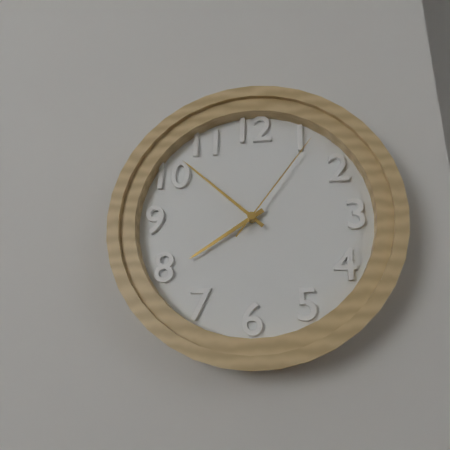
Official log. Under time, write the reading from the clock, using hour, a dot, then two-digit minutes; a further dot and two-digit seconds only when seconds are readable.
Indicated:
7.52.06
